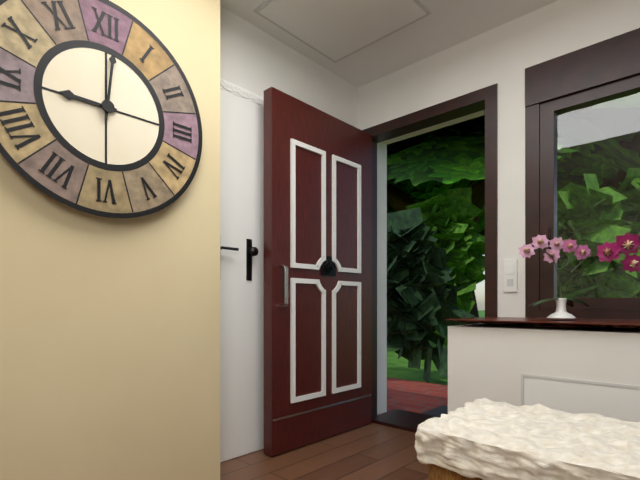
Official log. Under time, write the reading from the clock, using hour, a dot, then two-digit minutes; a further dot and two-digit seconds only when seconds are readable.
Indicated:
9.01
